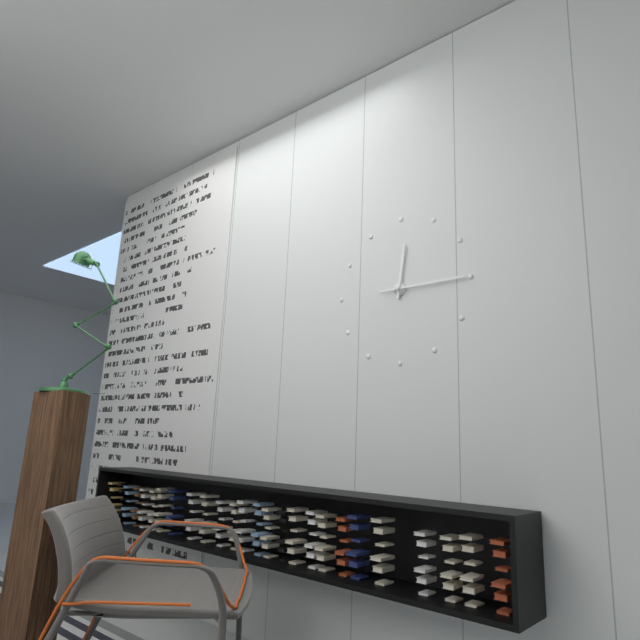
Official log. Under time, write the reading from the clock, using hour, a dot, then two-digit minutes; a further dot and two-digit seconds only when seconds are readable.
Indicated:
12.15
